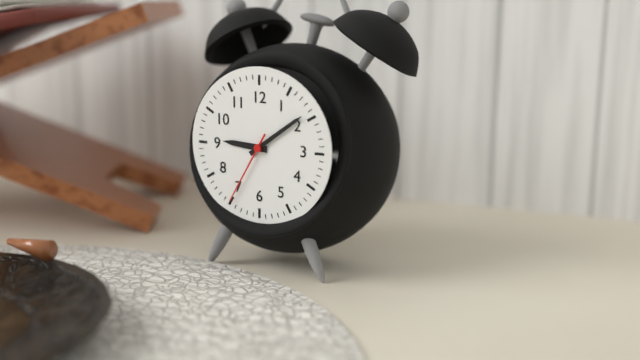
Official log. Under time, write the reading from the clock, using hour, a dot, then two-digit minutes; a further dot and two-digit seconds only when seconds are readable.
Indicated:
9.09.35
